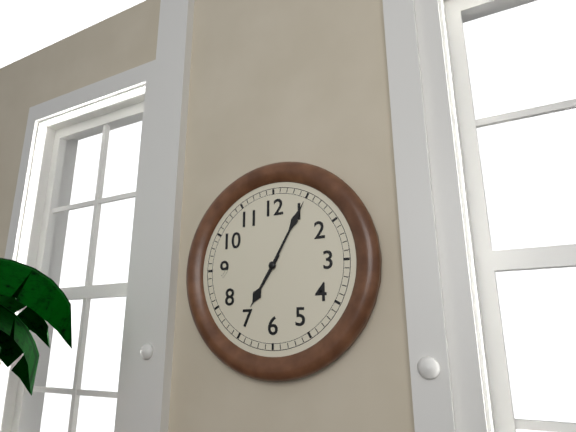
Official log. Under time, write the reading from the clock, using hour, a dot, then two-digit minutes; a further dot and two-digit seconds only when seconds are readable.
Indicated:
7.05
